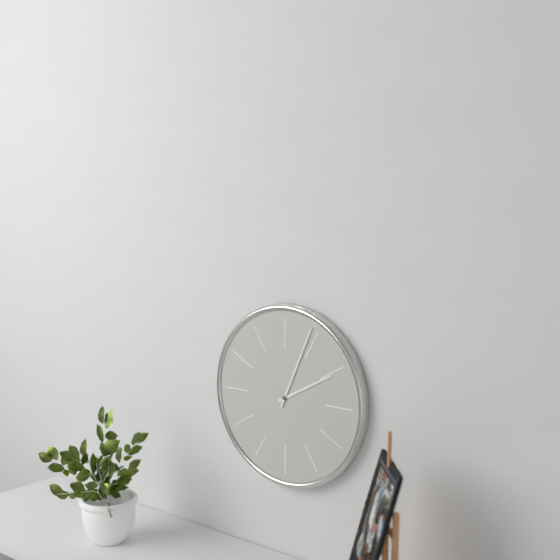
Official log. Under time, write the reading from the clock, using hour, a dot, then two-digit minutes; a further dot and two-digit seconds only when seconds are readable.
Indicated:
2.04
